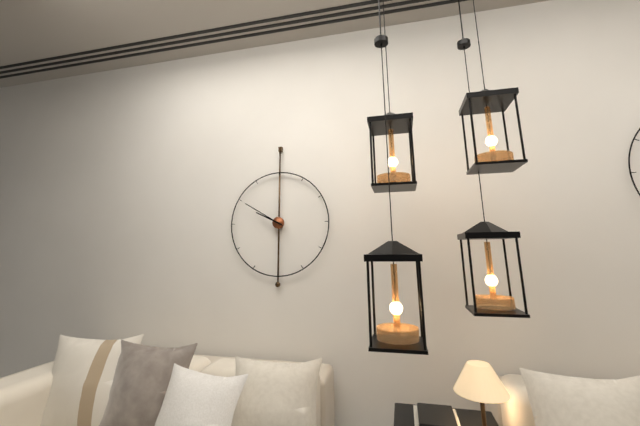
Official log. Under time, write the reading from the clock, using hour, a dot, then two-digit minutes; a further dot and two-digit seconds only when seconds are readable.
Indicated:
9.50
